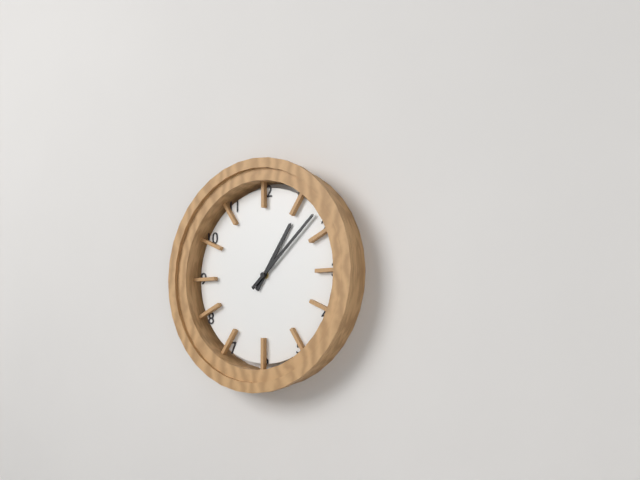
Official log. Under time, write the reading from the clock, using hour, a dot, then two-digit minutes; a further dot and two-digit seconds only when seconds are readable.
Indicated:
1.08
